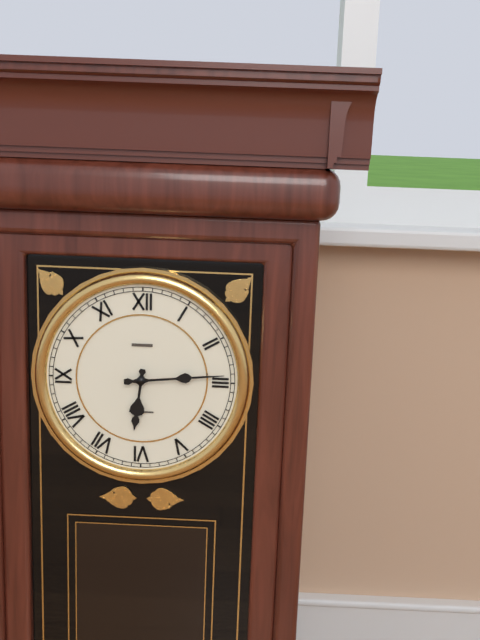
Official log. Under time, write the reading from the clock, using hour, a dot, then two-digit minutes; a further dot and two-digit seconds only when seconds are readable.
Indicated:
6.14
